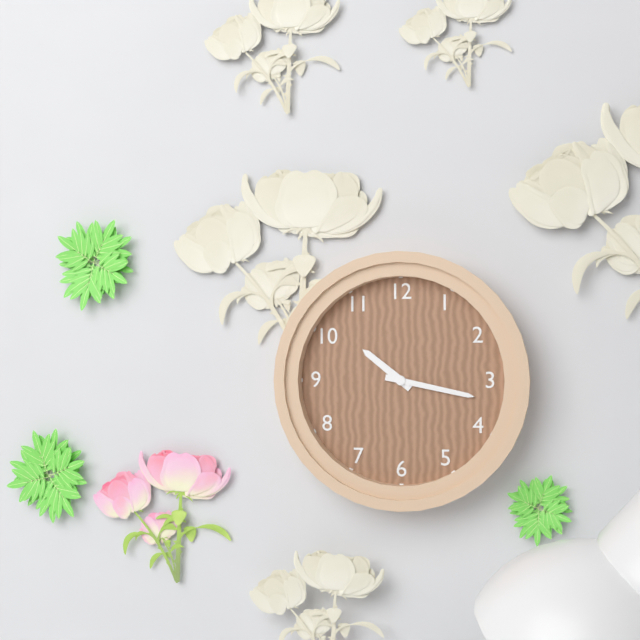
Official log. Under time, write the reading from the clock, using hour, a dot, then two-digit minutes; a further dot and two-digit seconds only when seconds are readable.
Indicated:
10.17
